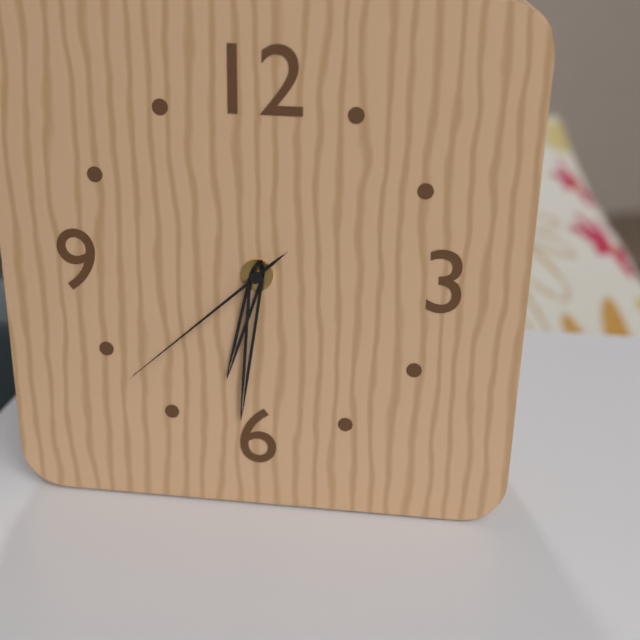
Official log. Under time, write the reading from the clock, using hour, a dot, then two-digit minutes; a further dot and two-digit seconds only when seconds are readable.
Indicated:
6.31.38
